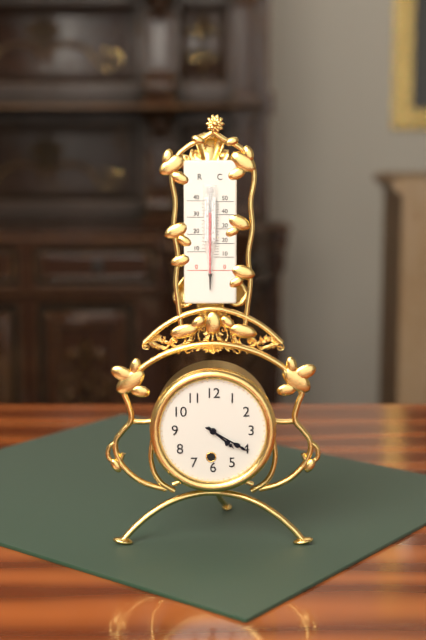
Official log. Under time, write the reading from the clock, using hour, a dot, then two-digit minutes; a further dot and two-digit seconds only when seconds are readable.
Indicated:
4.20
